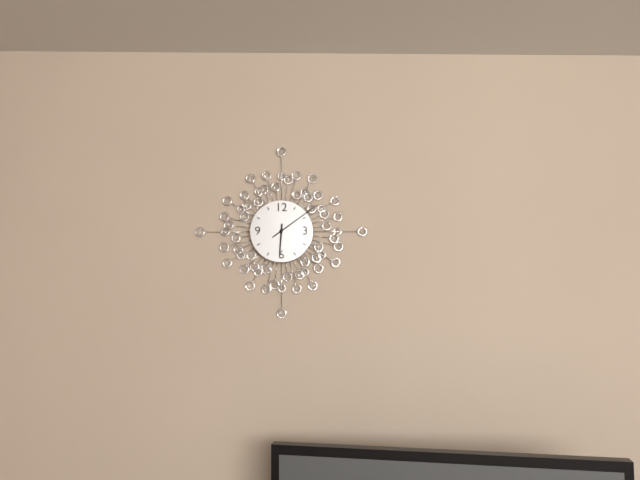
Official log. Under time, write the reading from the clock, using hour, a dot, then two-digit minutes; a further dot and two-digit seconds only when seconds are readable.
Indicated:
6.09
